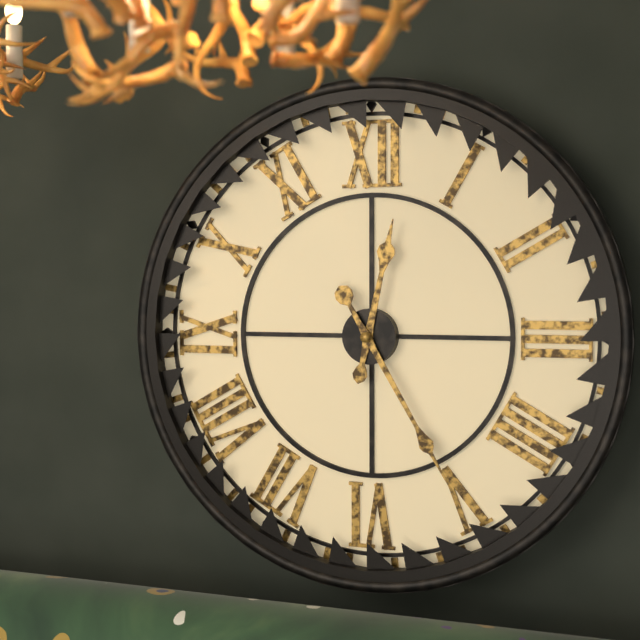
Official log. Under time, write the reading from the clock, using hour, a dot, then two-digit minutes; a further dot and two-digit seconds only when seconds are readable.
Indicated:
12.25
